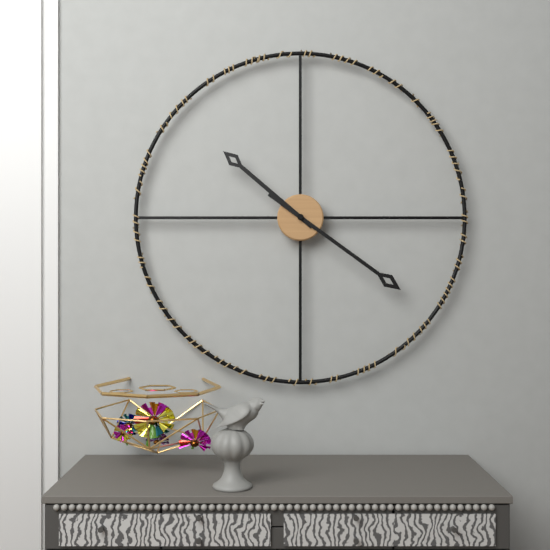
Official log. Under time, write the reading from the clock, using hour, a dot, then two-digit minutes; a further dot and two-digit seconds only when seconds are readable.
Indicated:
10.21
